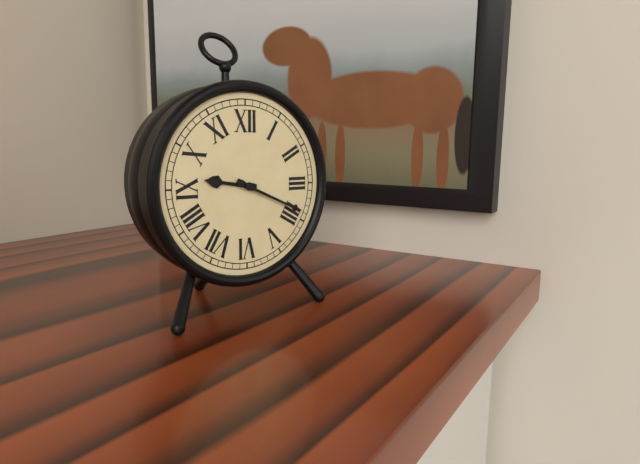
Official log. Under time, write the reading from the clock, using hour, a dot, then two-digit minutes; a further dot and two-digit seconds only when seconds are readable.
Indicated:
9.19
